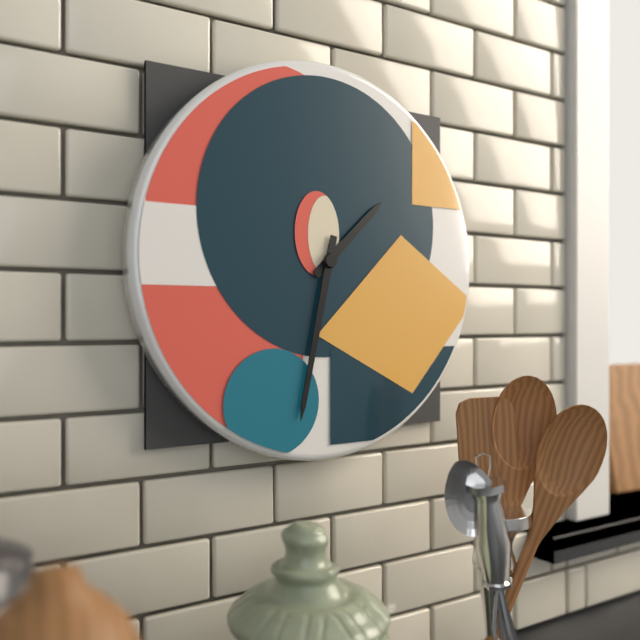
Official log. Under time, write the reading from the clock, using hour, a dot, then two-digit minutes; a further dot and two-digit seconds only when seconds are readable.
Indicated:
1.32
